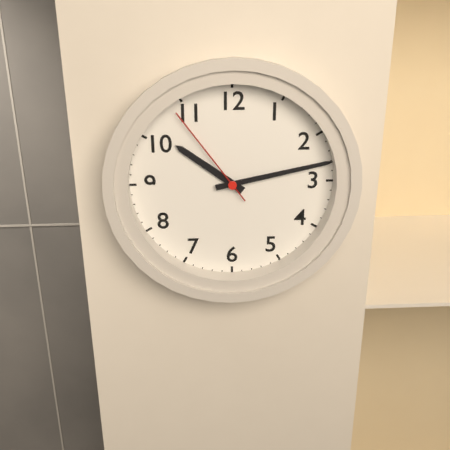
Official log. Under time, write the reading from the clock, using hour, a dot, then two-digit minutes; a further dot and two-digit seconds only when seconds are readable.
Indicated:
10.13.54
